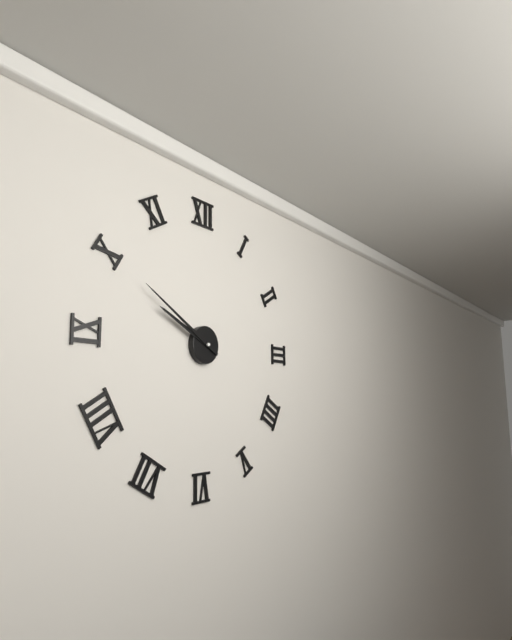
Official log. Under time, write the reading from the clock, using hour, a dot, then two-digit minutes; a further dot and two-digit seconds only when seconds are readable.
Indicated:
9.50
